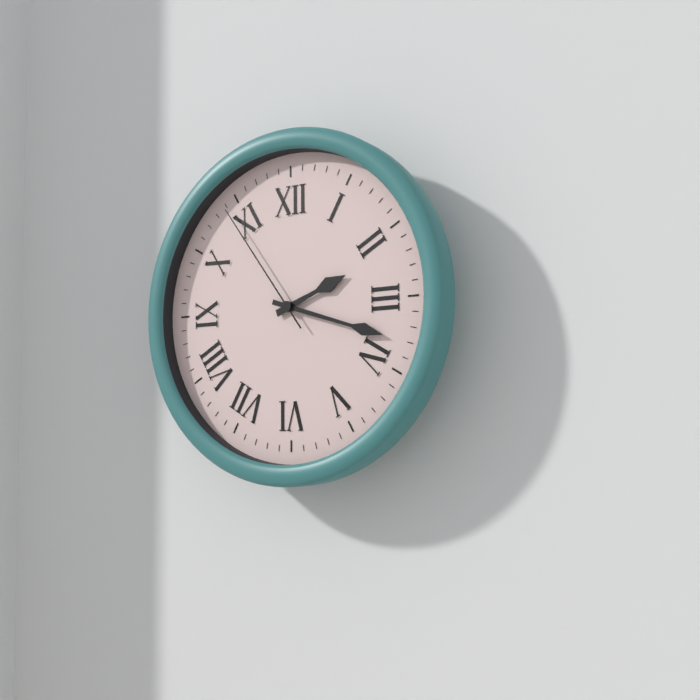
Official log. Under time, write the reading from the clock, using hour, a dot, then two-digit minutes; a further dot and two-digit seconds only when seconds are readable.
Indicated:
2.18.54
